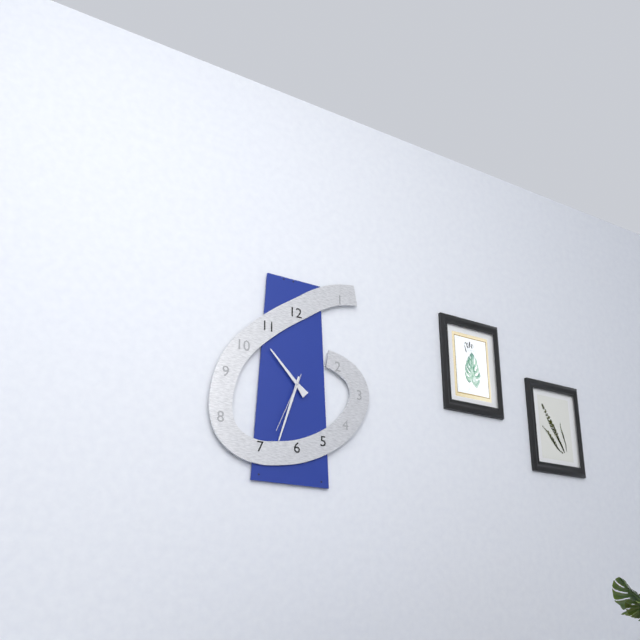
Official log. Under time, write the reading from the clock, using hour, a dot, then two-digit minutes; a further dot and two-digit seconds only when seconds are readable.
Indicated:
10.33.34
